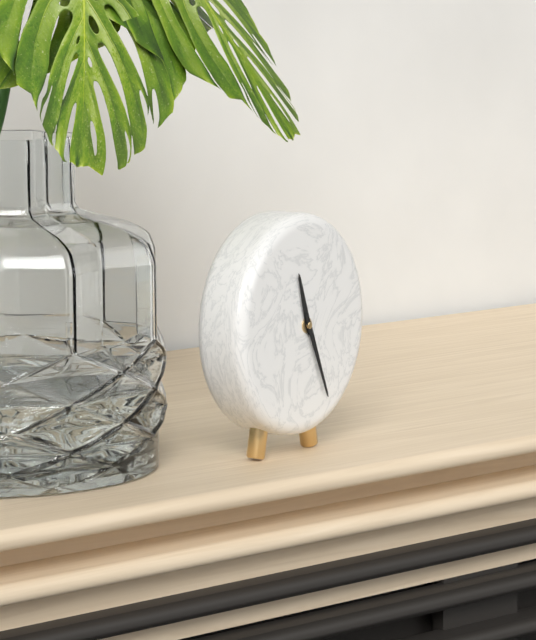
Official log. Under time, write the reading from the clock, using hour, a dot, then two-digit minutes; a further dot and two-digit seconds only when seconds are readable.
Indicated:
11.26
